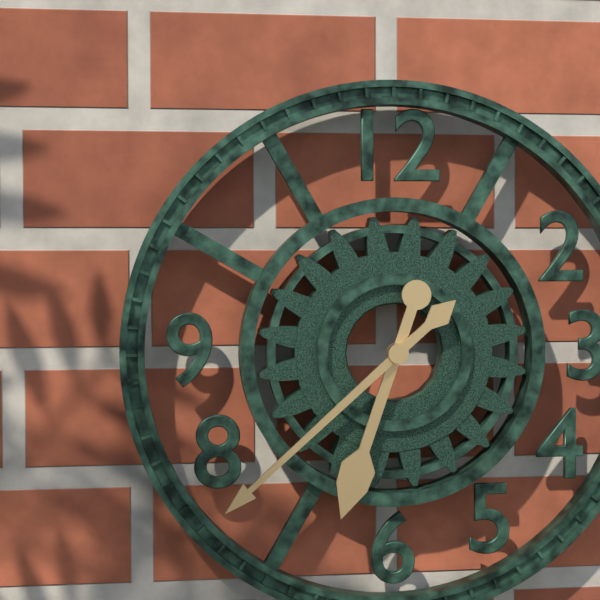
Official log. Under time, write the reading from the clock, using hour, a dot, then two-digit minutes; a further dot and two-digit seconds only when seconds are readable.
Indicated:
6.38
